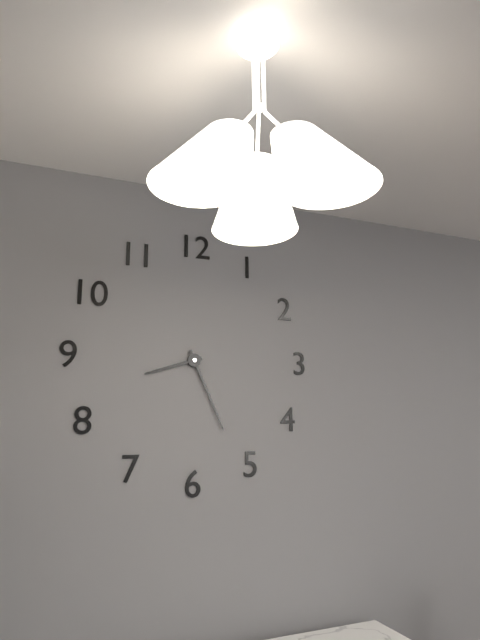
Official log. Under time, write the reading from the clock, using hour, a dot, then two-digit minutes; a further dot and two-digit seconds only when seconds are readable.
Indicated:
8.26
